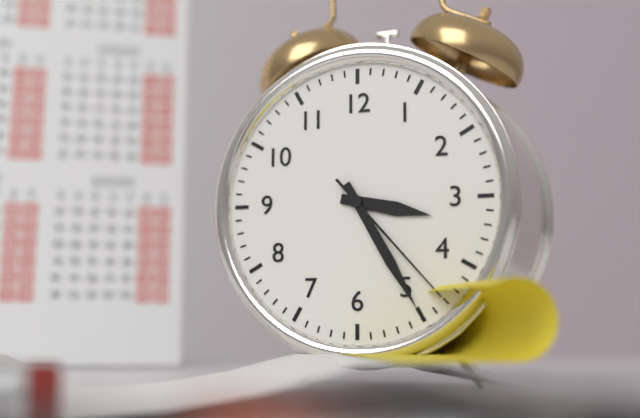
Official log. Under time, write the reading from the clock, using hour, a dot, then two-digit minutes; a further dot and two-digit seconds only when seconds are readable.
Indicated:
3.25.23
